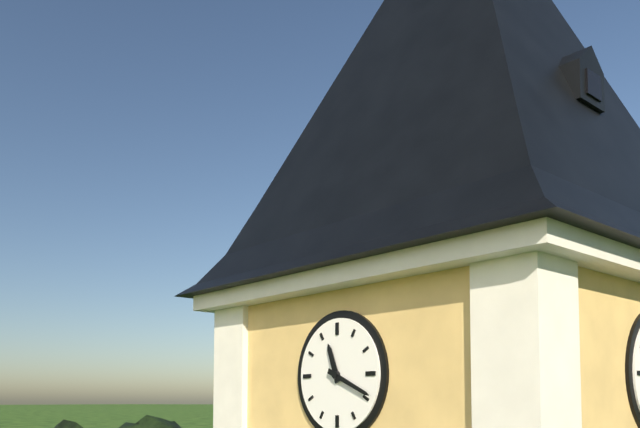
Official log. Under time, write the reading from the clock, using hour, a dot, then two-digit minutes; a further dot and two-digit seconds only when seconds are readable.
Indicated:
11.19
